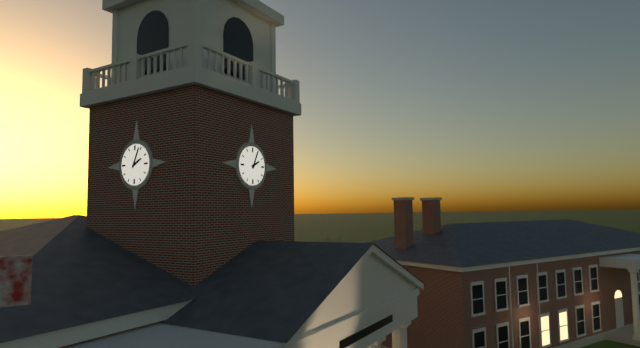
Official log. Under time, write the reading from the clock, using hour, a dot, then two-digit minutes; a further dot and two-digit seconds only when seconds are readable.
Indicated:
2.04
